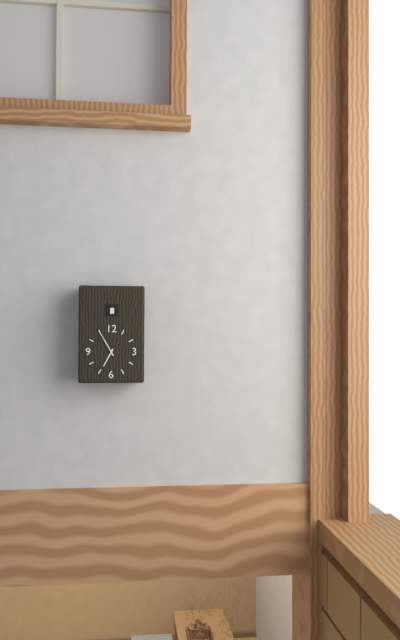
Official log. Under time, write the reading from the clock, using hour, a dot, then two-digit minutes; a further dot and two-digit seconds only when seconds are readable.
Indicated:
6.55
